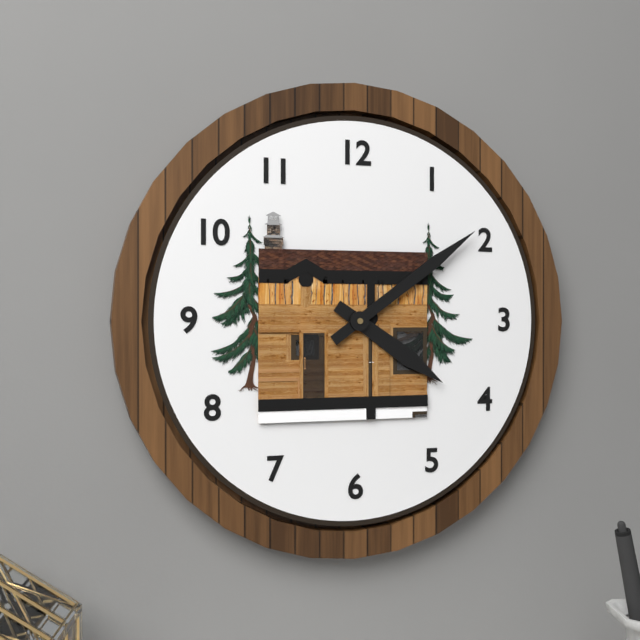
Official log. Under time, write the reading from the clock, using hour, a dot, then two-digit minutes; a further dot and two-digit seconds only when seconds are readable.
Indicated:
4.09
